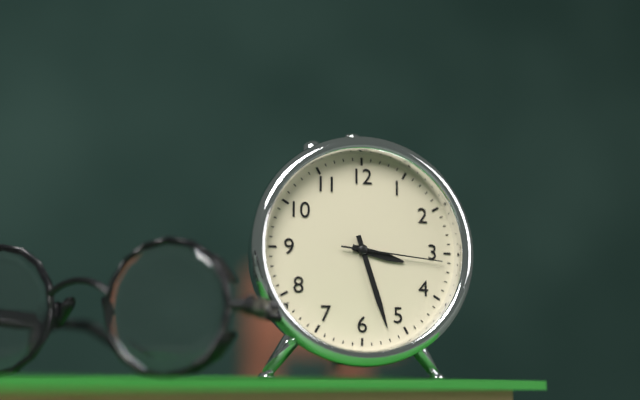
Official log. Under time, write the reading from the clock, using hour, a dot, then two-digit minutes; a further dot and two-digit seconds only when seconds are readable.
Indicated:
3.27.16
